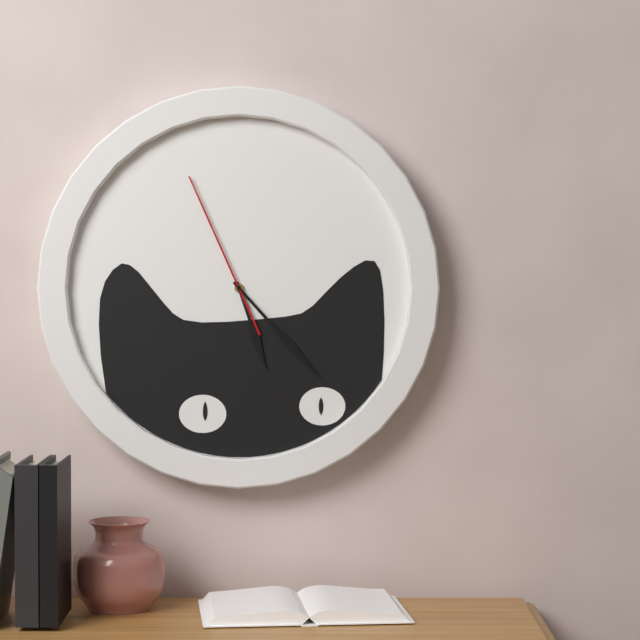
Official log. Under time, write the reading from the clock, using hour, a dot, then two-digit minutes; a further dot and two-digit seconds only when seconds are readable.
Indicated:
5.23.56
